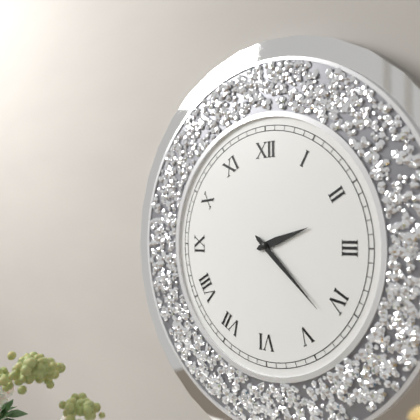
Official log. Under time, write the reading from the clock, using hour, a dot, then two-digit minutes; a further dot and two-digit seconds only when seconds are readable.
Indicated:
2.22
